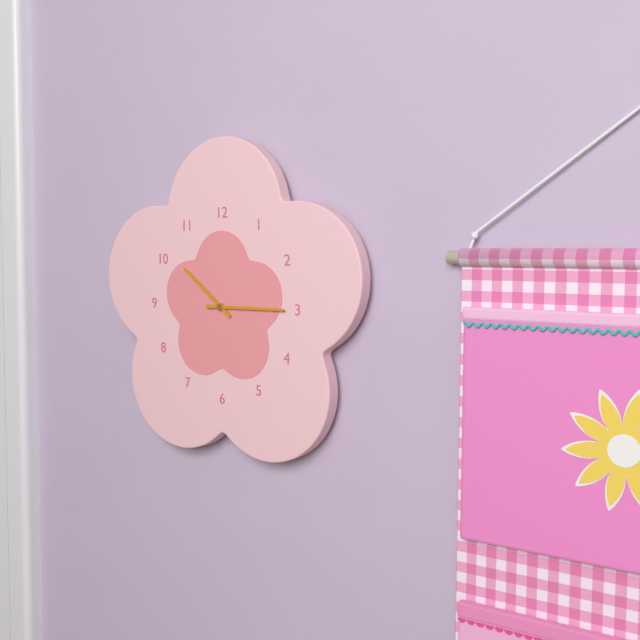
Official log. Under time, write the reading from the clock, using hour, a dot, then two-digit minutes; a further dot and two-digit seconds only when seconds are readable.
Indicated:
10.15
